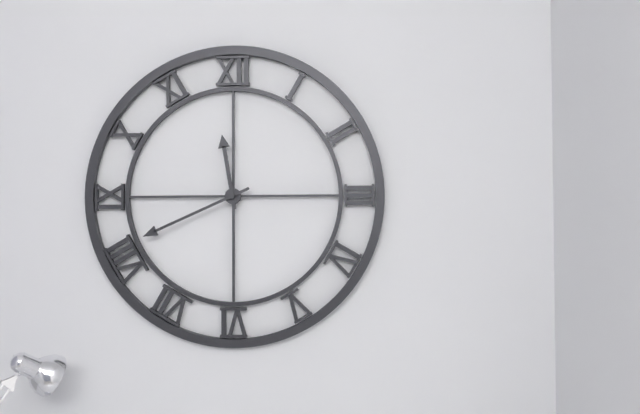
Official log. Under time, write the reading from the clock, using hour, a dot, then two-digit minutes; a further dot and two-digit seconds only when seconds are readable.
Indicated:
11.41
